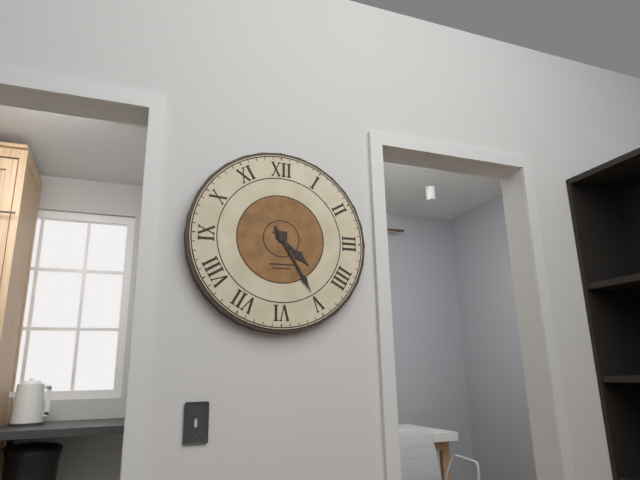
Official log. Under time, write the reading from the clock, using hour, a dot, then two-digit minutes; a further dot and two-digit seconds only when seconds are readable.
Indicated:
4.25
